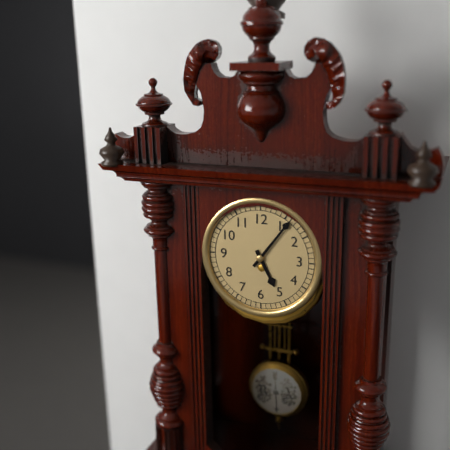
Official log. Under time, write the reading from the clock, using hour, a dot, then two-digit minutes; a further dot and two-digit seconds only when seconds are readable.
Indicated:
5.06
